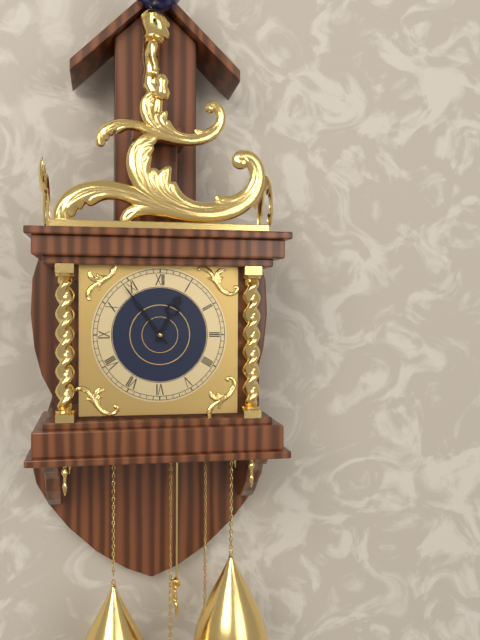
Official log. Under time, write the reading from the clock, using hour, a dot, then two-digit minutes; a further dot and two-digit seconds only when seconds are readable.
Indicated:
12.54
